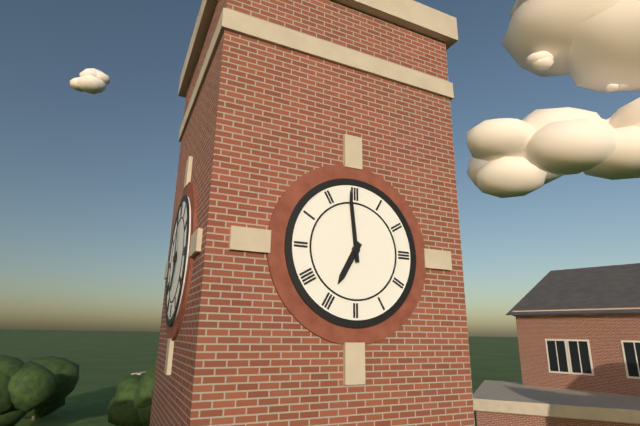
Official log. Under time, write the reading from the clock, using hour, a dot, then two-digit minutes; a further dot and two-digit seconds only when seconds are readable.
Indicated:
6.59
